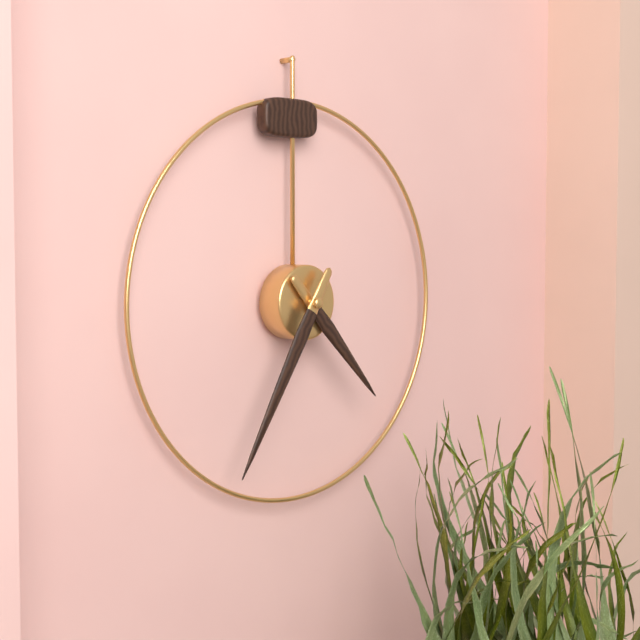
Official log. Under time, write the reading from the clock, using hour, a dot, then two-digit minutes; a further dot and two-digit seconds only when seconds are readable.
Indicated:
4.35
